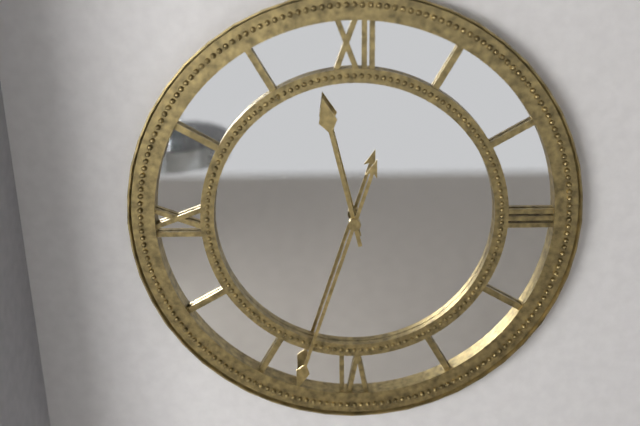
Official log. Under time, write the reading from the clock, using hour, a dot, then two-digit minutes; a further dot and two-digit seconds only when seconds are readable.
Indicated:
11.33
